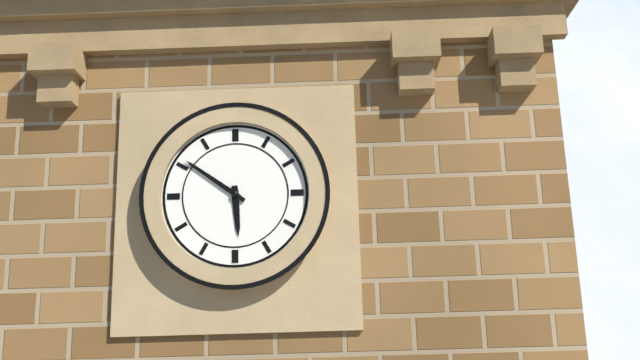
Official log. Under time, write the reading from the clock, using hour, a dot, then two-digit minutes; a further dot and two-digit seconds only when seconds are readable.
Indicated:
5.51
